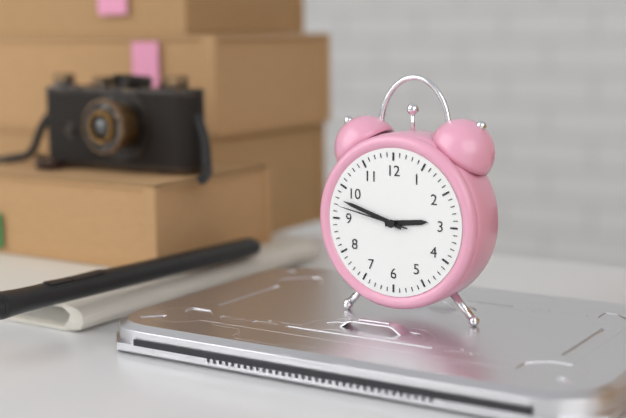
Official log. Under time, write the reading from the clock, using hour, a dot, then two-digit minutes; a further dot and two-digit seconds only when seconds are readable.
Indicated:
2.48.47
